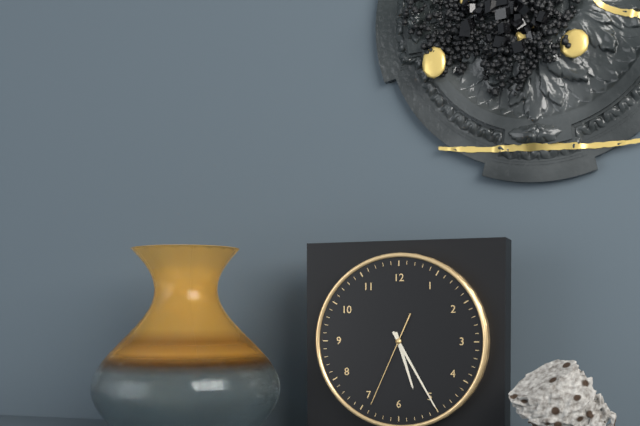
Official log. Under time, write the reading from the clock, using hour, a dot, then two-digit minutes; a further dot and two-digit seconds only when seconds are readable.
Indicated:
5.25.34
